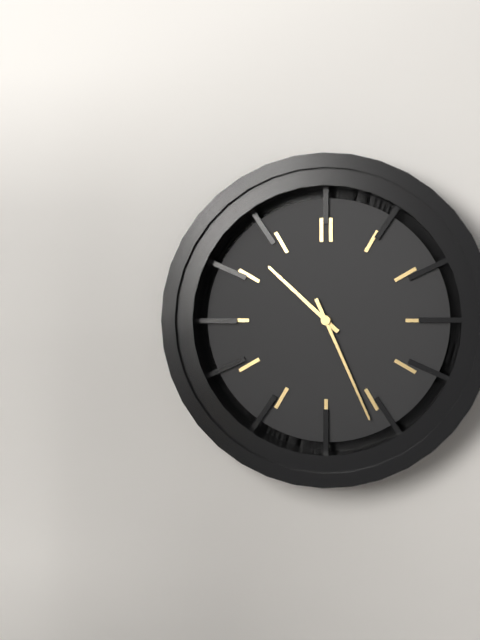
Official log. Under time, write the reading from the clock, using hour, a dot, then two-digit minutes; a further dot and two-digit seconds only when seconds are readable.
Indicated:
10.26
